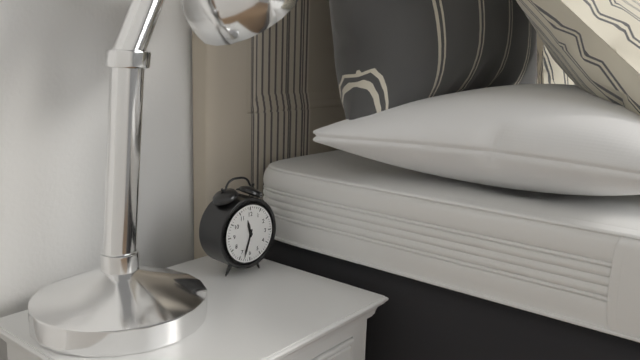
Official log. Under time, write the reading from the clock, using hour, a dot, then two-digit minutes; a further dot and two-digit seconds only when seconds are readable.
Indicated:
11.33
